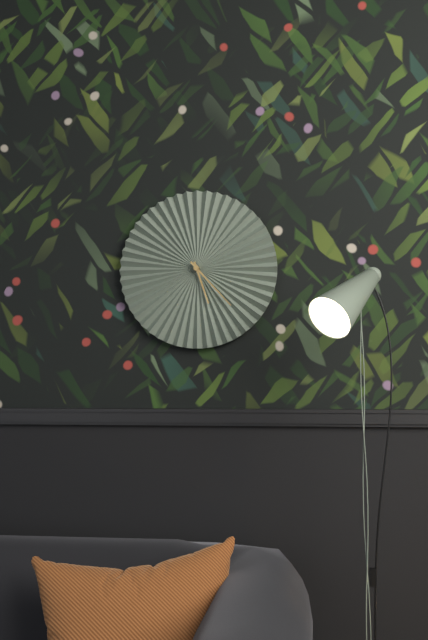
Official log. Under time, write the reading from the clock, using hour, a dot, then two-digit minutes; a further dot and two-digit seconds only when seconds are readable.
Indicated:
5.23
